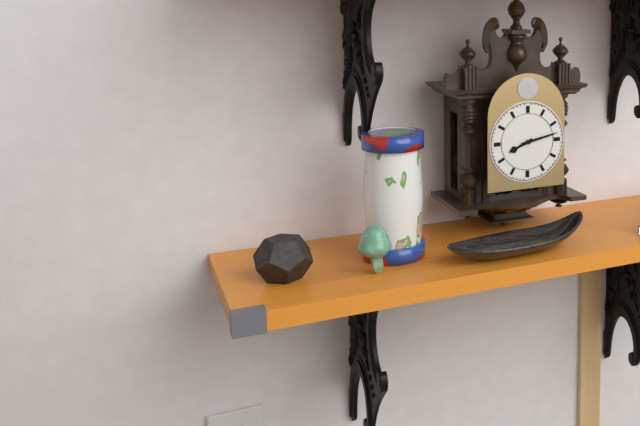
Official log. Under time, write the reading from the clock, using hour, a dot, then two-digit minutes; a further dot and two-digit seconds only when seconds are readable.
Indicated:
8.13
